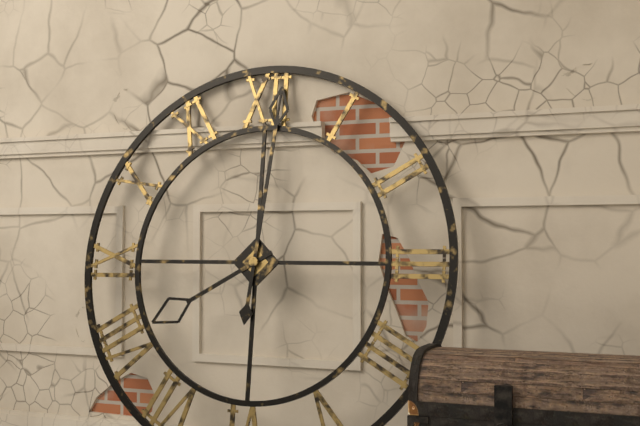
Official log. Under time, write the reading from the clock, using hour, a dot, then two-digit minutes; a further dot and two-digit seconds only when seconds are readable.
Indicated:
8.01
